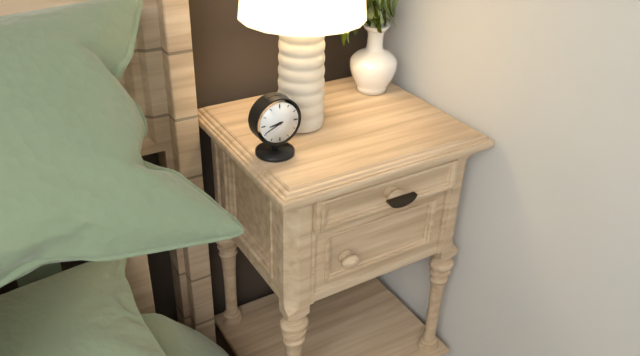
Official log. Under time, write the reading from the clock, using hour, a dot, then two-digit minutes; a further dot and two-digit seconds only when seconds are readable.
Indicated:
8.41
